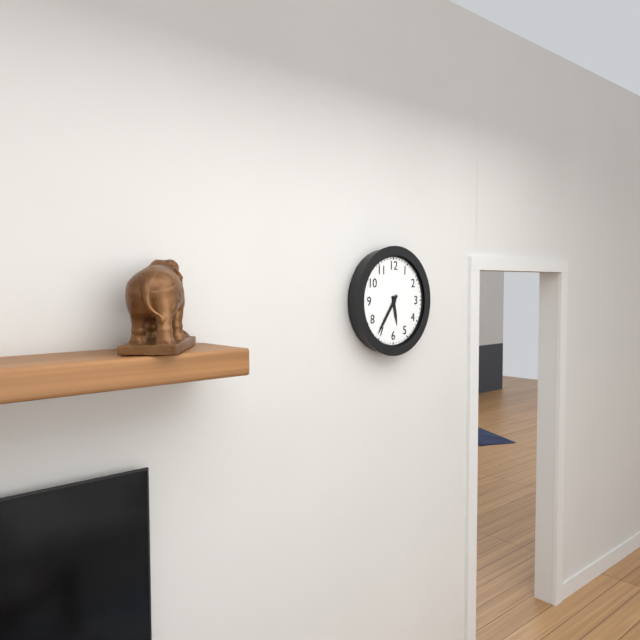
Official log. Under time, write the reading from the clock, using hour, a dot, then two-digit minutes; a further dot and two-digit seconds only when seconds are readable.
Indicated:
5.36
